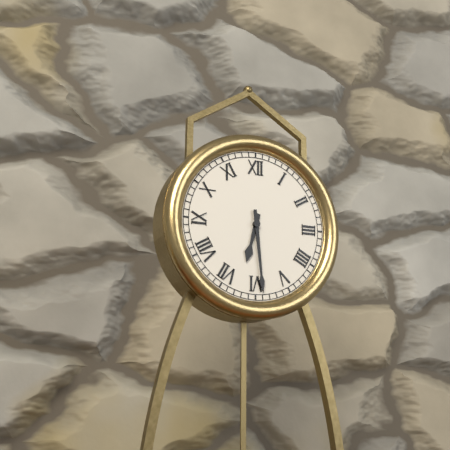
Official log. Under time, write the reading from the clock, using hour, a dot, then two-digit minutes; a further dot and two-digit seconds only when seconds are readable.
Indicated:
6.29
